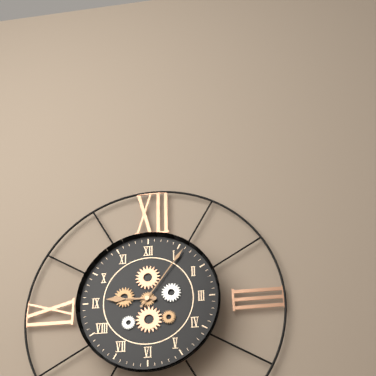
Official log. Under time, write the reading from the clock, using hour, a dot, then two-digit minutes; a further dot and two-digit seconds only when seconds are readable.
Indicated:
9.06
